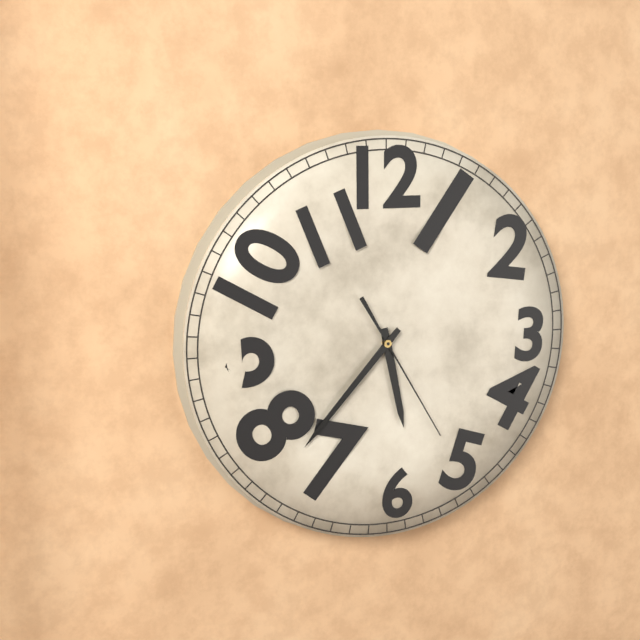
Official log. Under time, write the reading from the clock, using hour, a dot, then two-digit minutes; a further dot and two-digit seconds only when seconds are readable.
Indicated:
5.37.25
